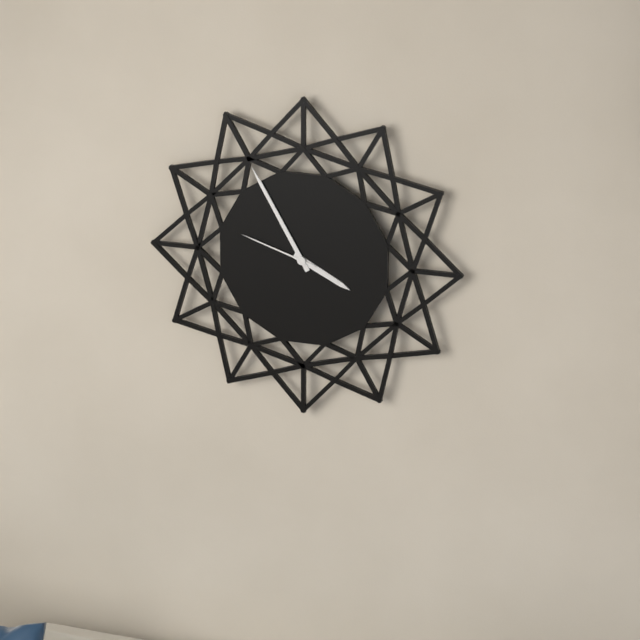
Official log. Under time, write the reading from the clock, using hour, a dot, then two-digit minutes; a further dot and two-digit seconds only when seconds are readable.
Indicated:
3.55.48
